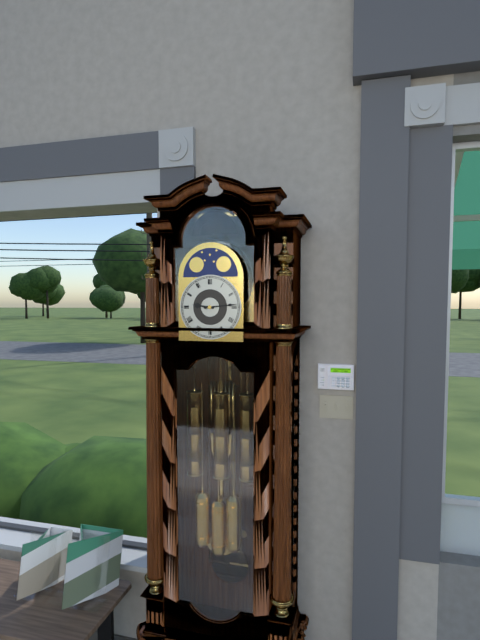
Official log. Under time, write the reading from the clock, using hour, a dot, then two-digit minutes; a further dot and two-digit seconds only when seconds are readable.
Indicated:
9.14
